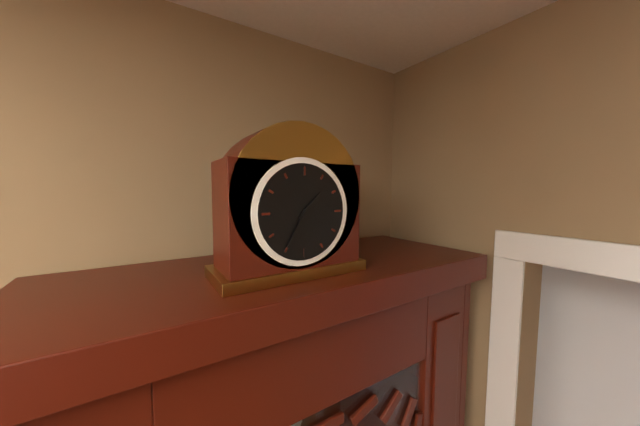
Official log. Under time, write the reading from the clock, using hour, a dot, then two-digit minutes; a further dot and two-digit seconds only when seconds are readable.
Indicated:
1.35
